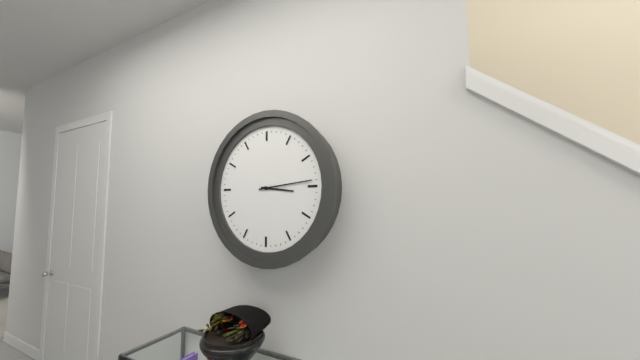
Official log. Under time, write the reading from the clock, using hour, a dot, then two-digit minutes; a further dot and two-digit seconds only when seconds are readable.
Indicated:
3.14
